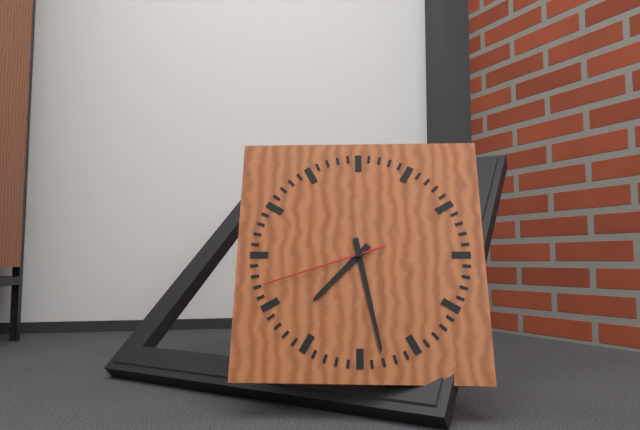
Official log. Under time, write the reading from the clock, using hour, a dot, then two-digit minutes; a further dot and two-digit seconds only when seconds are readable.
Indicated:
7.28.42
